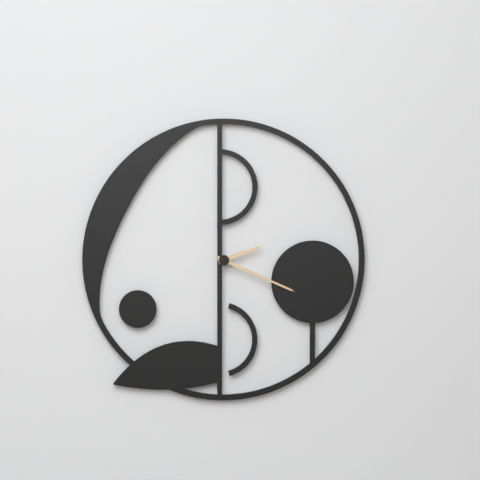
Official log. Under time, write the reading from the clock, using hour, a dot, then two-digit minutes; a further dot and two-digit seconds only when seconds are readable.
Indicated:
2.19
